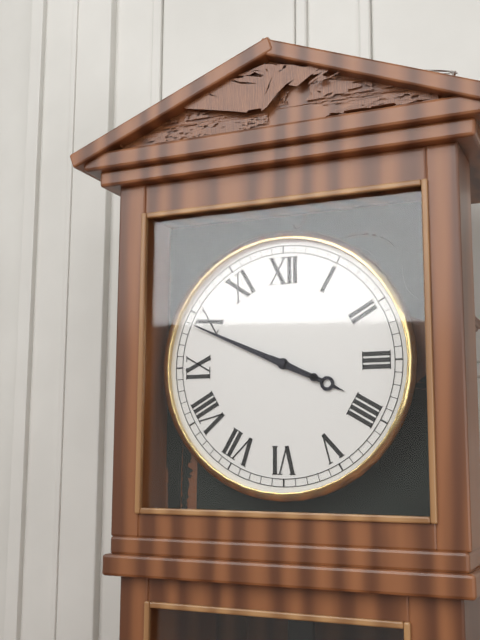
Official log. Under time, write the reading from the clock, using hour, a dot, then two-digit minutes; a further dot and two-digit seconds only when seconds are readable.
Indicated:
3.49
